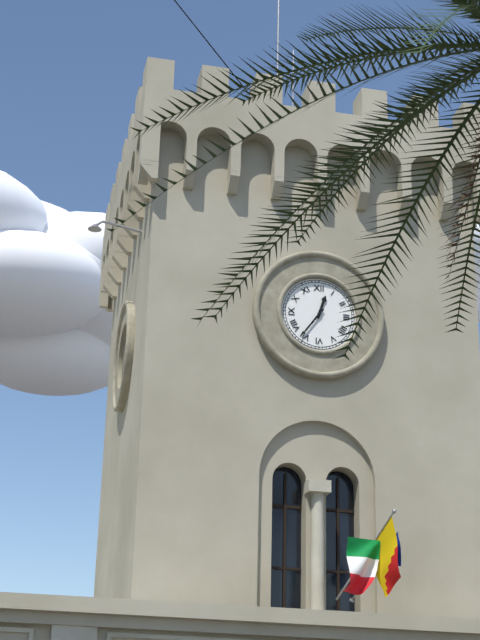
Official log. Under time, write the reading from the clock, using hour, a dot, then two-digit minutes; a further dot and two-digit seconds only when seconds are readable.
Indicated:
12.36
